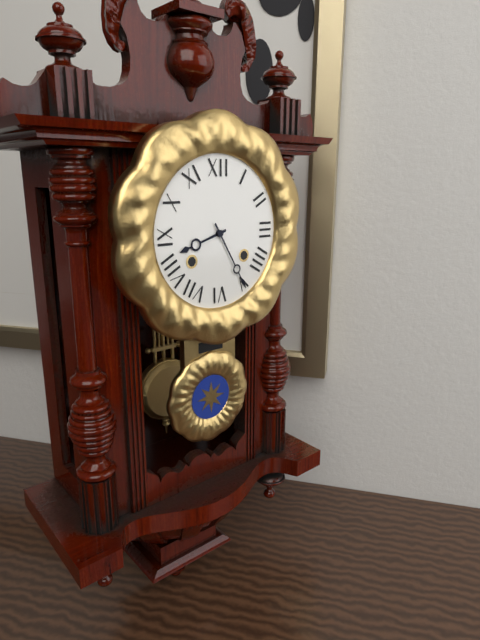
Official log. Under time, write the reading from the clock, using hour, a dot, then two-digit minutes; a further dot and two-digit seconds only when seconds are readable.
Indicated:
8.25
